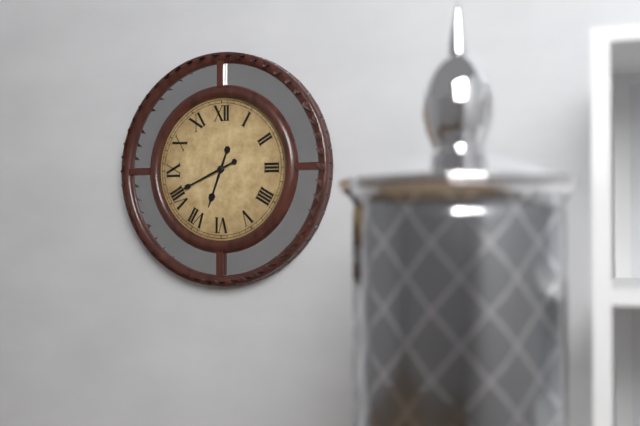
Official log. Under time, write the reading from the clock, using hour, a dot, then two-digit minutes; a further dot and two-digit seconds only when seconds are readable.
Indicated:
6.41
